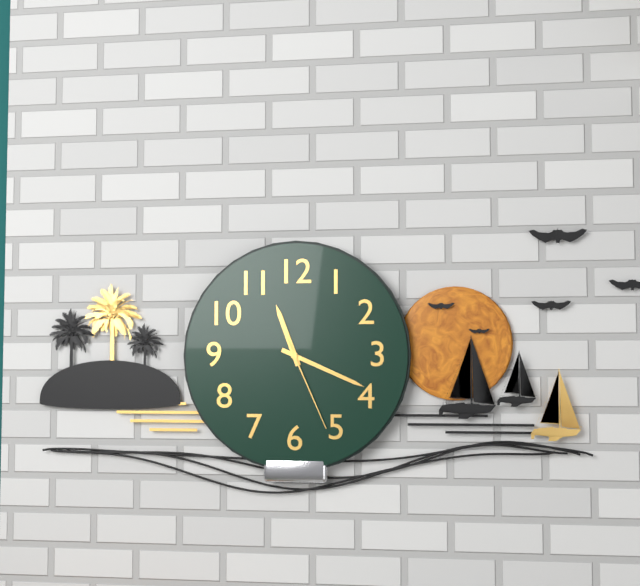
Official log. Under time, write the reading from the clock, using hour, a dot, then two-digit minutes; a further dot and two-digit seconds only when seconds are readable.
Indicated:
11.19.26
